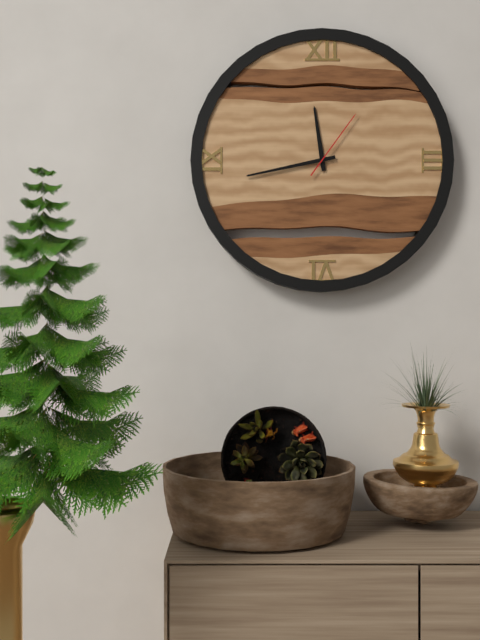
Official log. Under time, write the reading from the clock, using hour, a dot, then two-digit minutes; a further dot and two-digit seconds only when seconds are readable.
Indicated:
11.43.06
